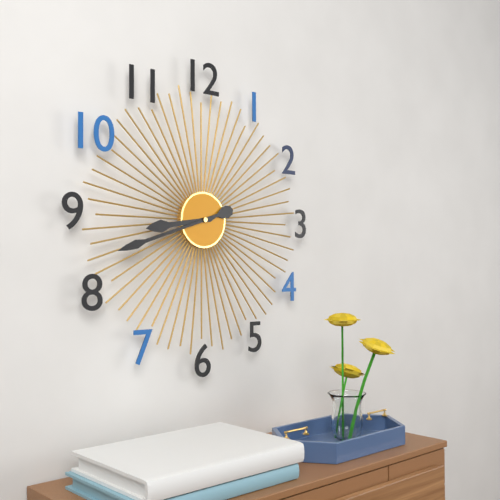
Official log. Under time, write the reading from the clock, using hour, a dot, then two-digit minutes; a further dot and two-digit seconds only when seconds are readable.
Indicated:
8.42
